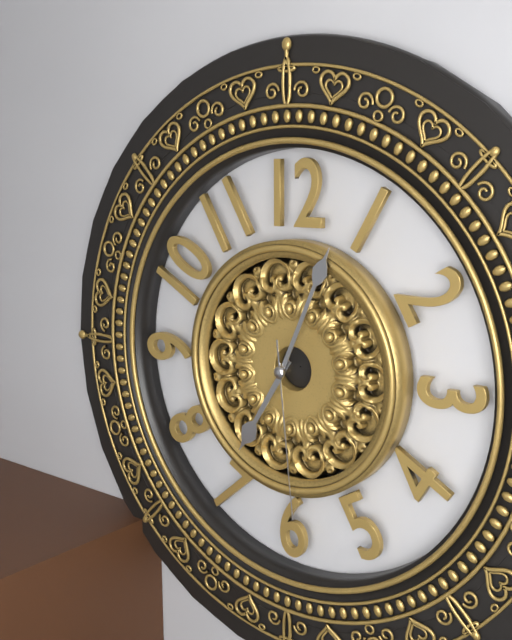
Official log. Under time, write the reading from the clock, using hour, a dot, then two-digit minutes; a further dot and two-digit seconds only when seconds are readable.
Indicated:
7.04.29
